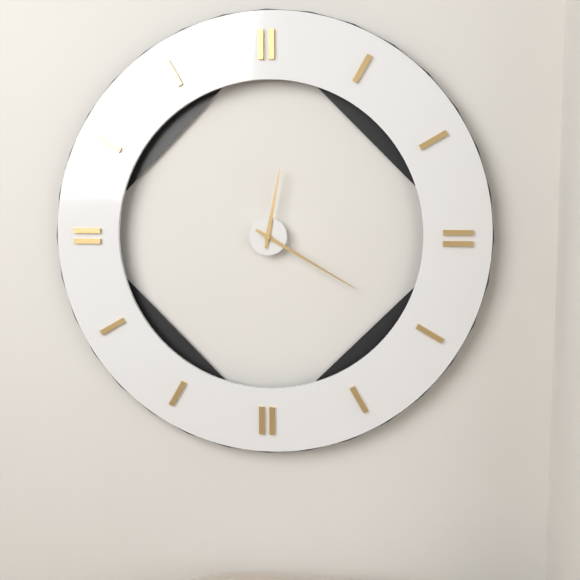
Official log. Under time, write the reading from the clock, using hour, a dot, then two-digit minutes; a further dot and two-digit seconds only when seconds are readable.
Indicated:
12.20
